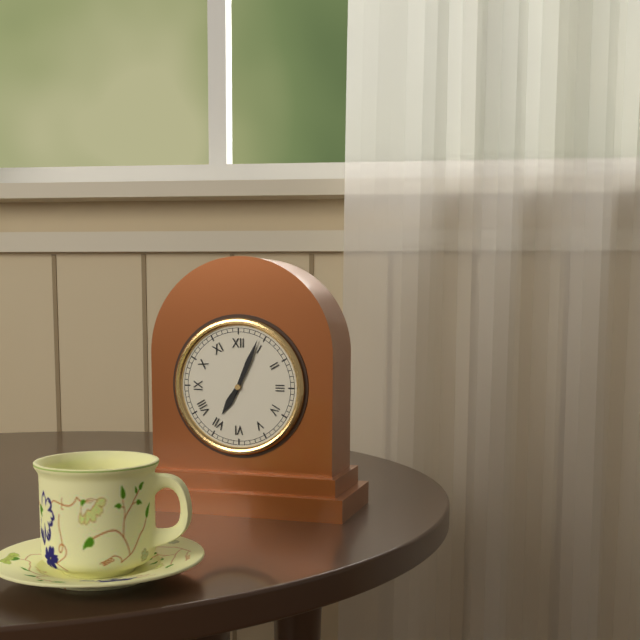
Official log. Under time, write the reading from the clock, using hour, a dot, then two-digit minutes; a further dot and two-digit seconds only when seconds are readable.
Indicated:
7.04
